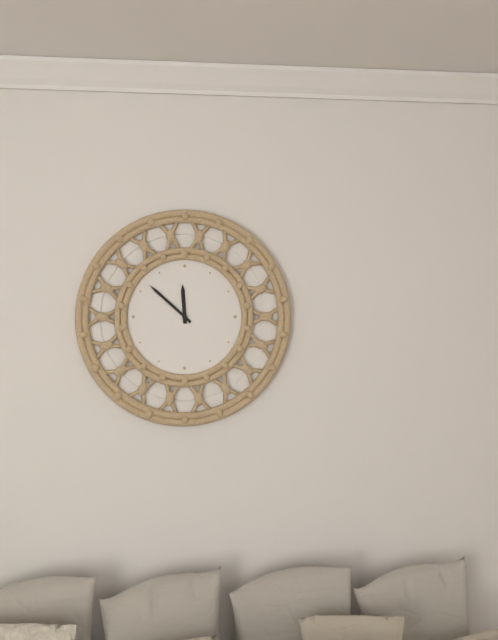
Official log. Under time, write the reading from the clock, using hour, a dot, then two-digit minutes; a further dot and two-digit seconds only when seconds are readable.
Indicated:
11.52
